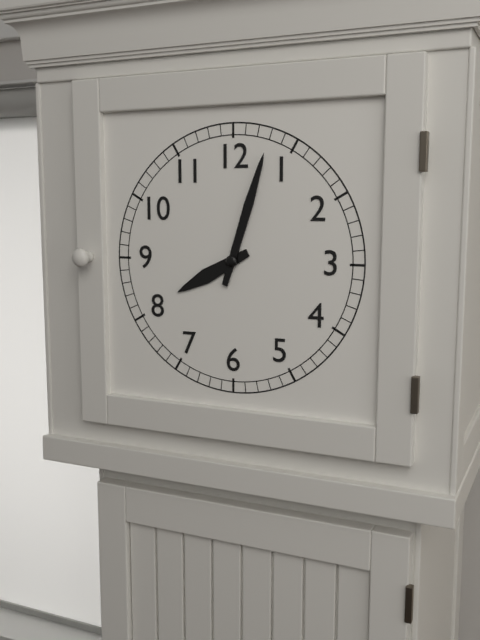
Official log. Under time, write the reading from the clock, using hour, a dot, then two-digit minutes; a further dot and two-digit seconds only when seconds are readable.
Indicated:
8.03
